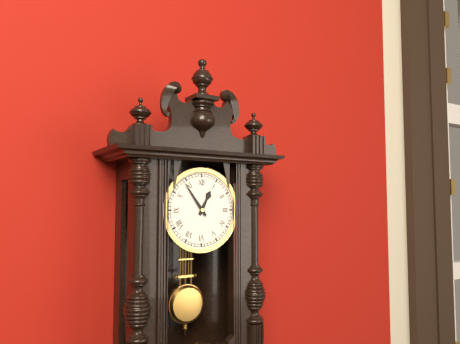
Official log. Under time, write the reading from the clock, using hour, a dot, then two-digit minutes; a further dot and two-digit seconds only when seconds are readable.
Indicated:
12.54
